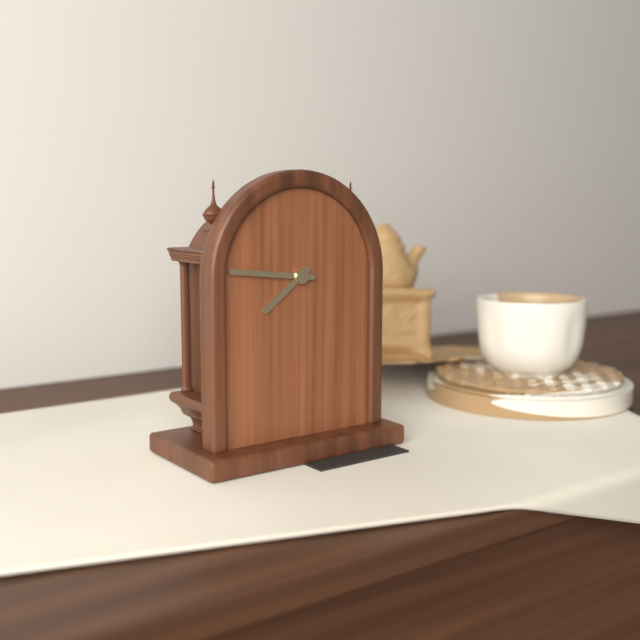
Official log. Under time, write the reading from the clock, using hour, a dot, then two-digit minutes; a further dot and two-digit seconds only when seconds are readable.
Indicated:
7.46
